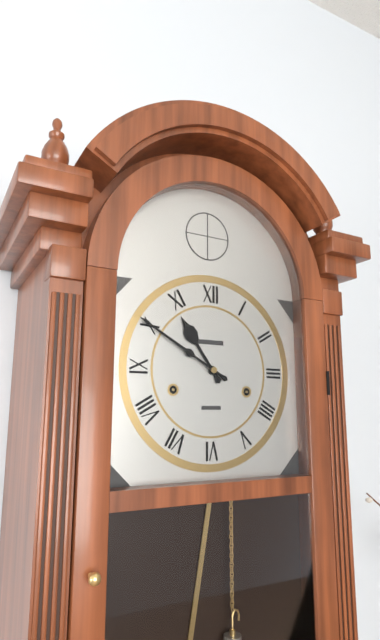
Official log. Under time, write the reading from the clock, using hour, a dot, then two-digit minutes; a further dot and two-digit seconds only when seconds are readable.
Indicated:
10.50
